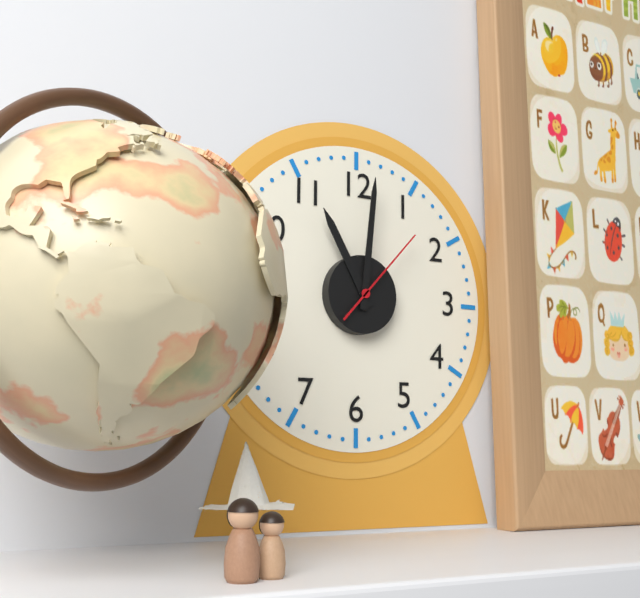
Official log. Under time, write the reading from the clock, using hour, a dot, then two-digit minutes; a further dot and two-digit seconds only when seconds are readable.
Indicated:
11.01.07
